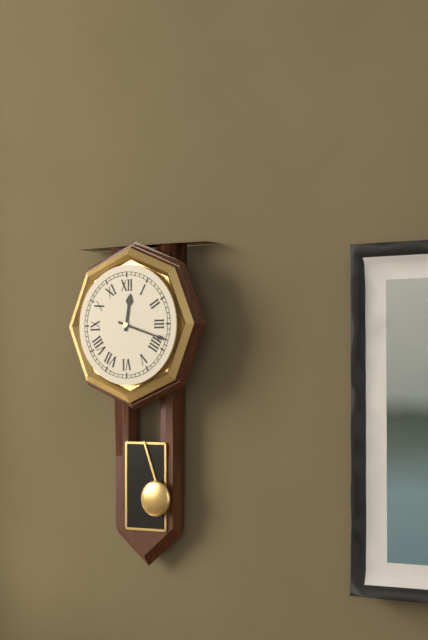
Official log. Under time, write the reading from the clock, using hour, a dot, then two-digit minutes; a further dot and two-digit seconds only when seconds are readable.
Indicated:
12.18
